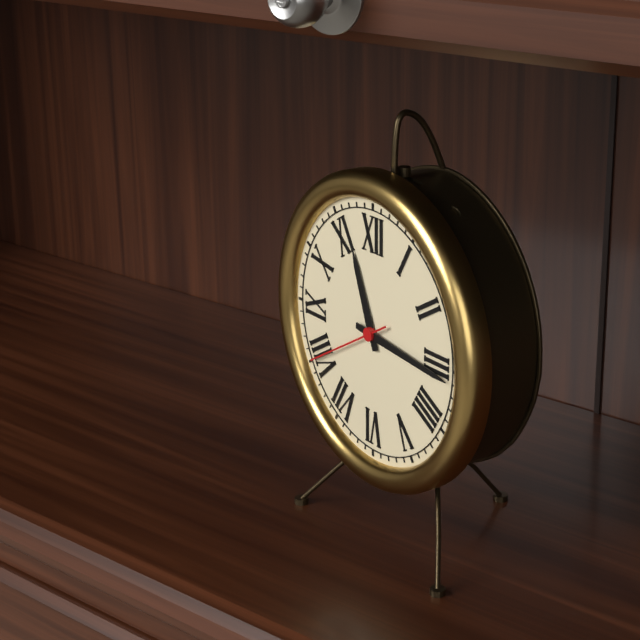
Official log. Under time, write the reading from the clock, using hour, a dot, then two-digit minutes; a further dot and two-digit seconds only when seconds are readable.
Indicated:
11.16.40
